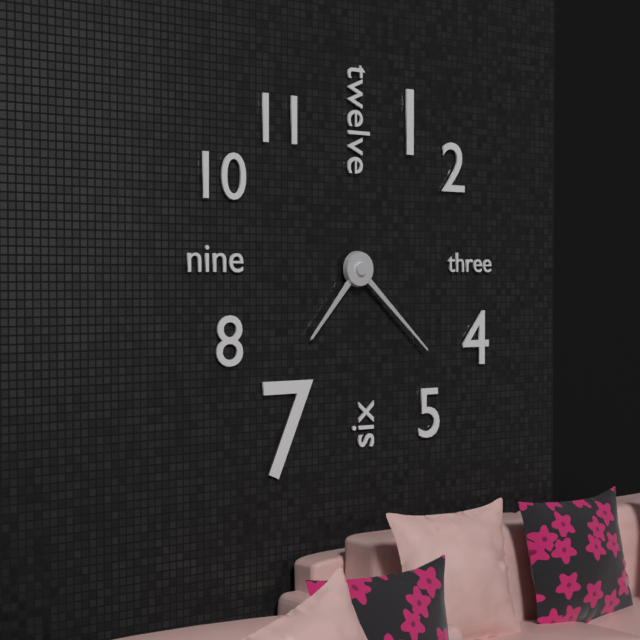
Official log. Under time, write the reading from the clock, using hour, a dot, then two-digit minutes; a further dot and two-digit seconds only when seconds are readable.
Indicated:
7.22
